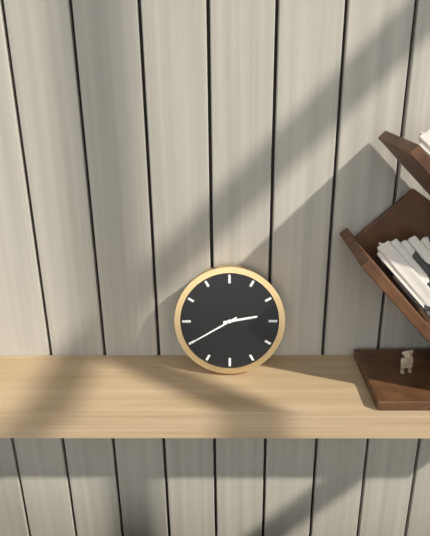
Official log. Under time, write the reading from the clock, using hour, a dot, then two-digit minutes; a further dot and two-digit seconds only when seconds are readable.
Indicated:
2.40
